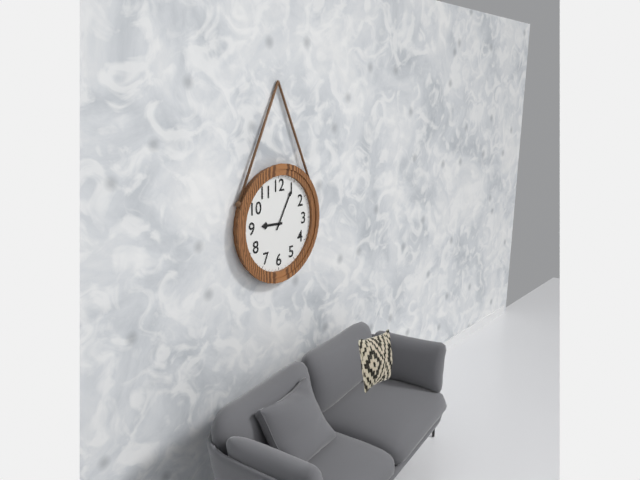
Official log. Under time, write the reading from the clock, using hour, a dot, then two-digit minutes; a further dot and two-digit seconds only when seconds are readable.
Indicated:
9.05
